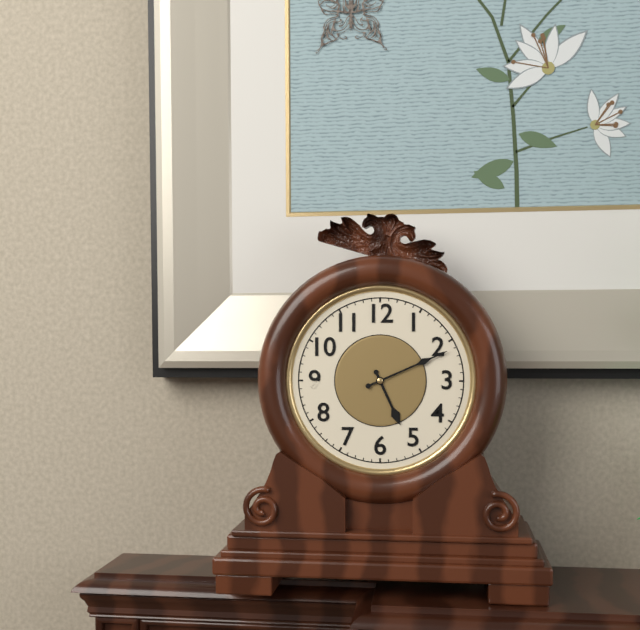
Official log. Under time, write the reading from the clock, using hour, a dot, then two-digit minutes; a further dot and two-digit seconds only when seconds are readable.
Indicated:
5.11
